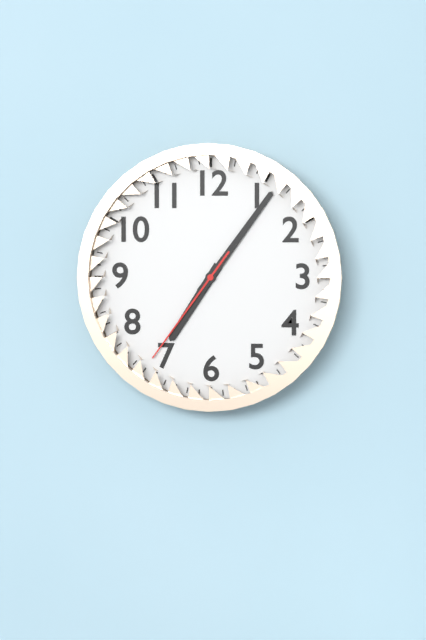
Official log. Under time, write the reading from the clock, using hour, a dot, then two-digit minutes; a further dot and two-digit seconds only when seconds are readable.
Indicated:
7.06.36
